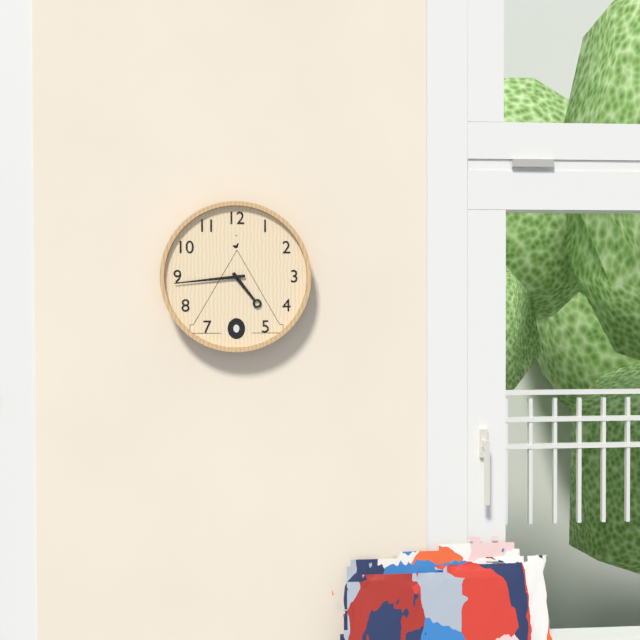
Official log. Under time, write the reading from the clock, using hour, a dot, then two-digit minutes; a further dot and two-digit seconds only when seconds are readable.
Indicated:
4.44
